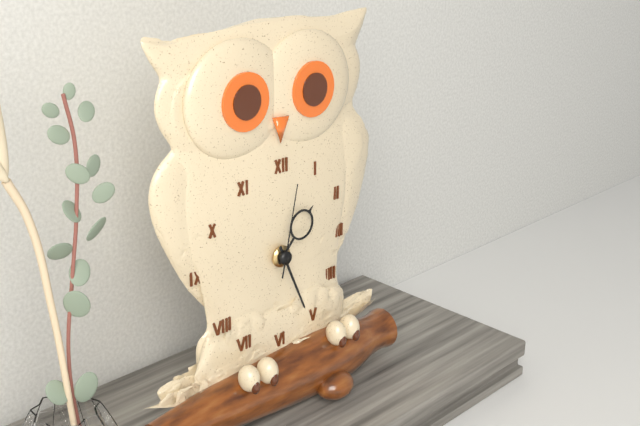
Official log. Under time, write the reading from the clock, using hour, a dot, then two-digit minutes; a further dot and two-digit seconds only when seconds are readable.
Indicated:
1.26.02
